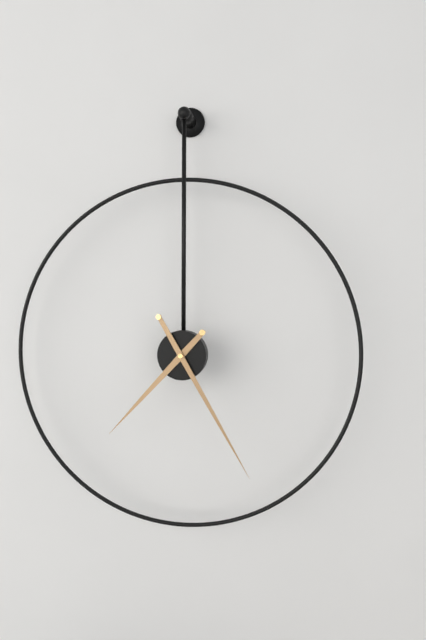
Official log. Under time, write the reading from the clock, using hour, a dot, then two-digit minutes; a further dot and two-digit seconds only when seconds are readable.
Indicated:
7.25
